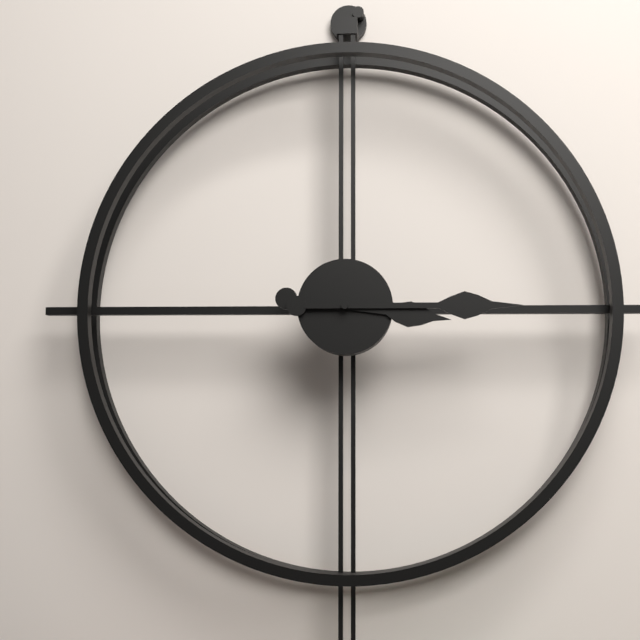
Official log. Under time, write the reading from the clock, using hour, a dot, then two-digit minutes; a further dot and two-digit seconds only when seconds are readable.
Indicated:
3.15
